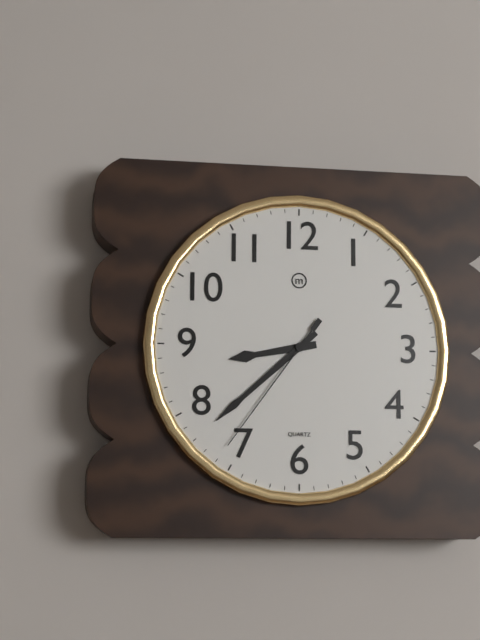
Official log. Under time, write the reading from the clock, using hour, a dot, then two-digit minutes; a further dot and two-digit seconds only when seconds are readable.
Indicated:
8.38.36
